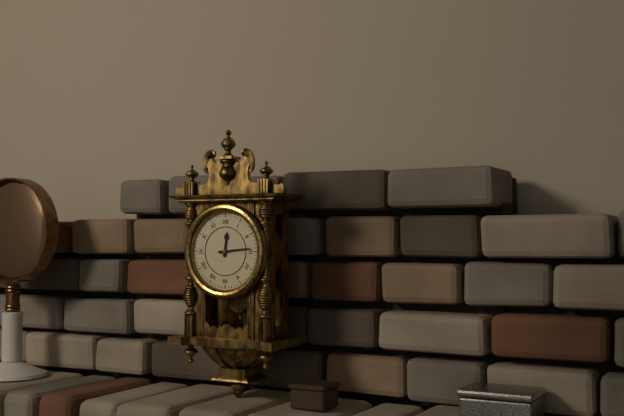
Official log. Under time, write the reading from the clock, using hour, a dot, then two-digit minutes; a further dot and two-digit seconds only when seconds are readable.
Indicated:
12.14
